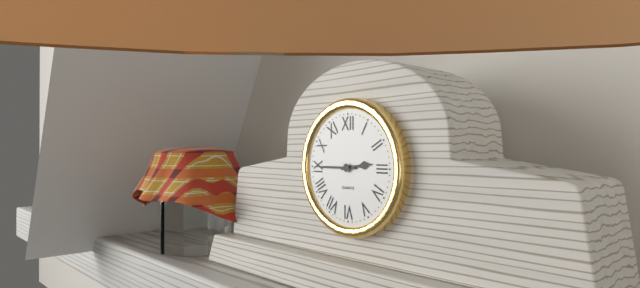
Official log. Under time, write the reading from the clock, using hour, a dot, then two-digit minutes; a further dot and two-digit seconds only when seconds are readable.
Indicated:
2.45
